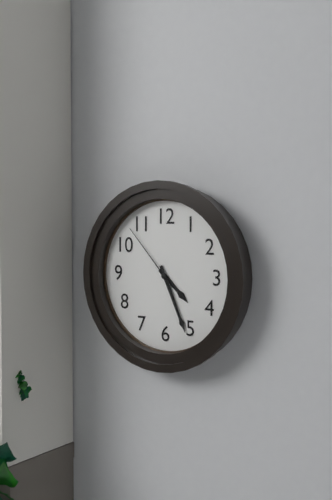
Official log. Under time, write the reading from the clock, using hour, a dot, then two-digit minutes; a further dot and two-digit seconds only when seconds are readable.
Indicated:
4.26.53
